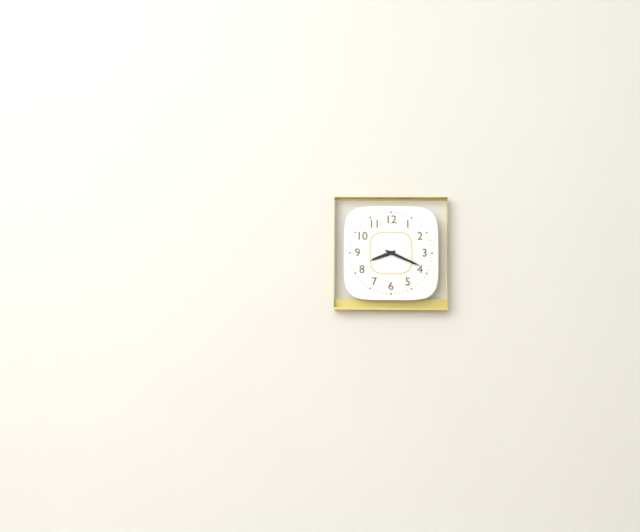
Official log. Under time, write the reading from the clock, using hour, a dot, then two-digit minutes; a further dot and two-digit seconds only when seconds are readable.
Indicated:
8.19
